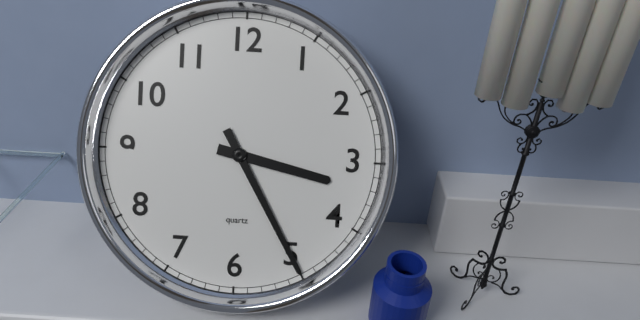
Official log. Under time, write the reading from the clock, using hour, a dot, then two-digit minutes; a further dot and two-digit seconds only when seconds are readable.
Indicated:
3.25
